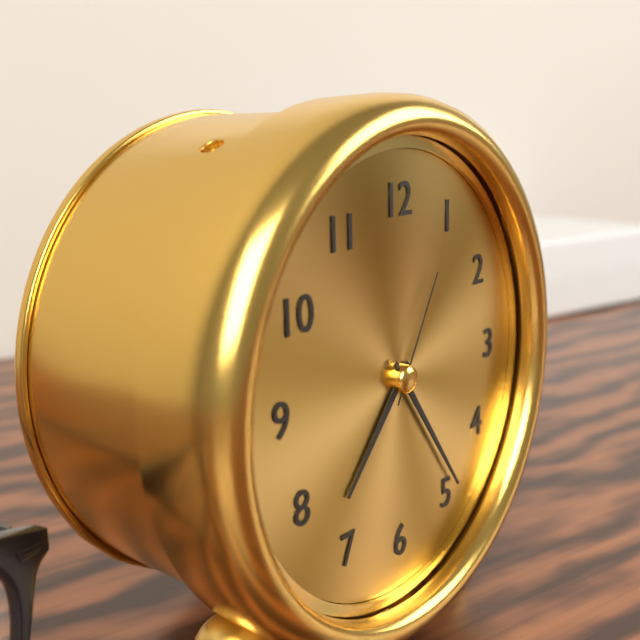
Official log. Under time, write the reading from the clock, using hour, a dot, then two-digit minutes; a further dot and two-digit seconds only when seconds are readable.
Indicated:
7.24.05
